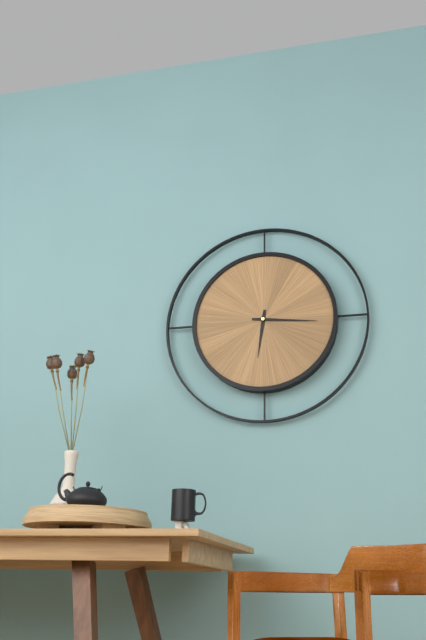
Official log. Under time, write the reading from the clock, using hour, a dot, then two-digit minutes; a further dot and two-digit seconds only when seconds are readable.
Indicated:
6.16
